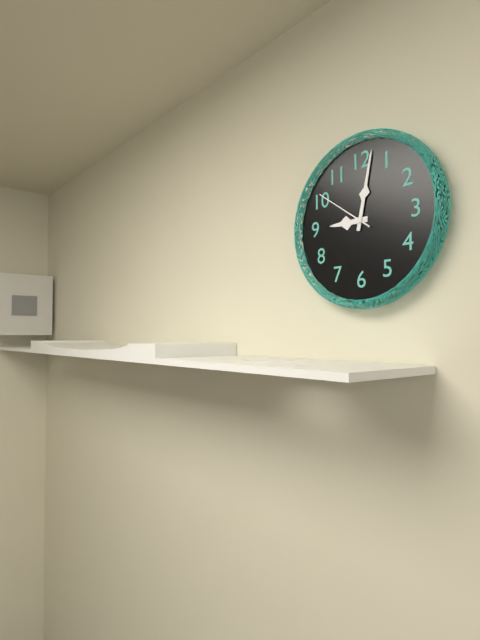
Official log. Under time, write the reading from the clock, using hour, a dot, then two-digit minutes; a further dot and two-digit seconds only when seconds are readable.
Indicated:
9.02.51
